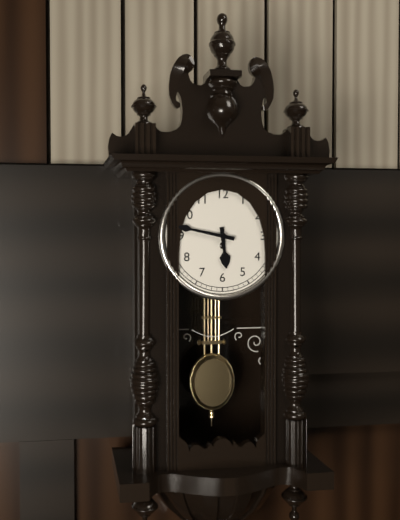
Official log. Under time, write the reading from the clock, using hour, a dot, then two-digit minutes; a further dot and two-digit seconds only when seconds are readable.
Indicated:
5.47
